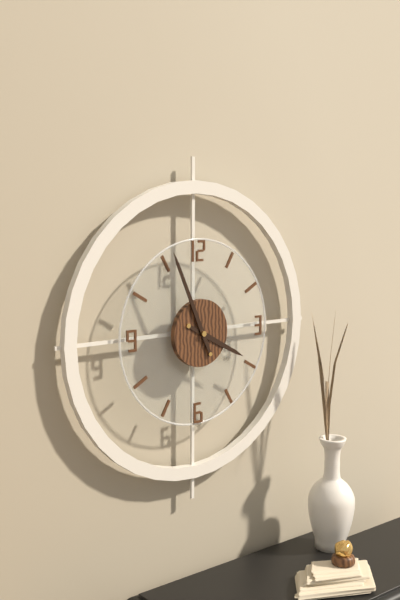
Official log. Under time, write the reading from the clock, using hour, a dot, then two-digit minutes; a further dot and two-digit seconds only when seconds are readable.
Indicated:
3.56
